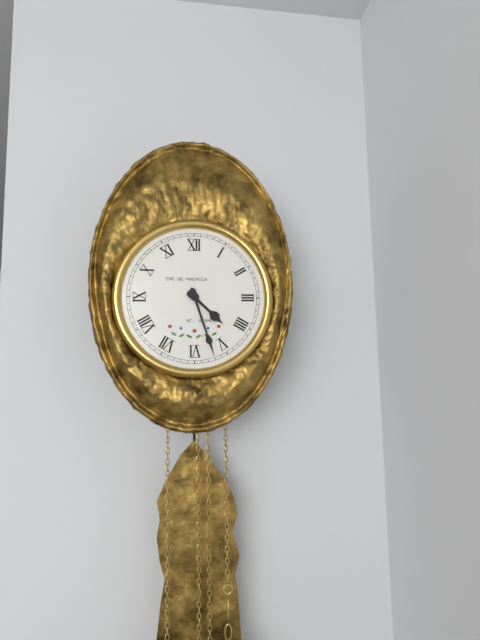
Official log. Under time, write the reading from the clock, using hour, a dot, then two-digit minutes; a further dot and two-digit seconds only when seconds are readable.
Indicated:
4.27
